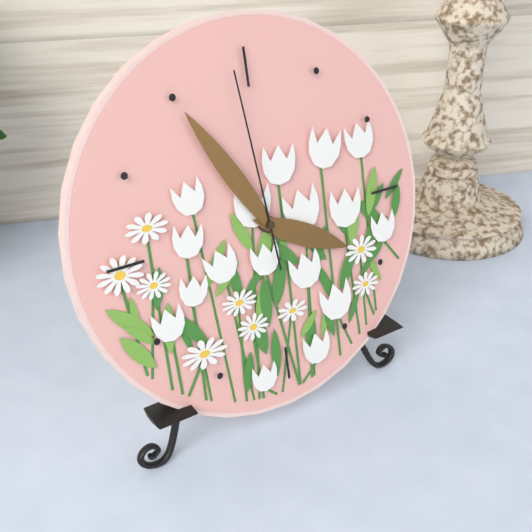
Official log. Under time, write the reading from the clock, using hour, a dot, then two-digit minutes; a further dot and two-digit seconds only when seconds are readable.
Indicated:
3.55.59
